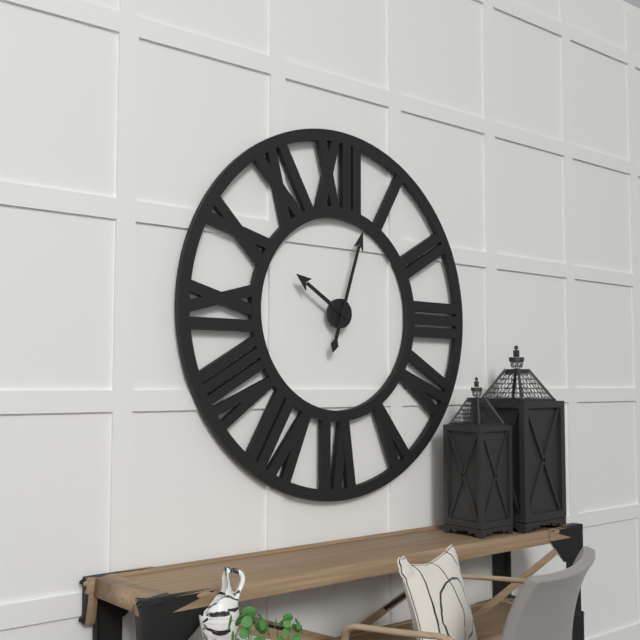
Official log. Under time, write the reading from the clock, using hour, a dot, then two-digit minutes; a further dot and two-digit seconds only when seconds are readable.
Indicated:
10.03
